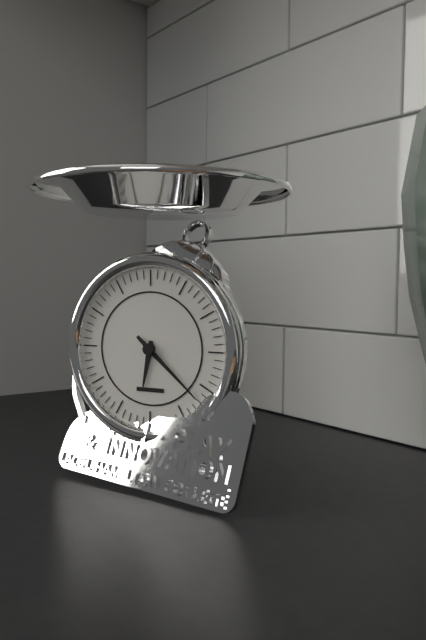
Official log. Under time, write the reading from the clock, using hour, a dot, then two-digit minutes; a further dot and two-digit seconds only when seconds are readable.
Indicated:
6.22
